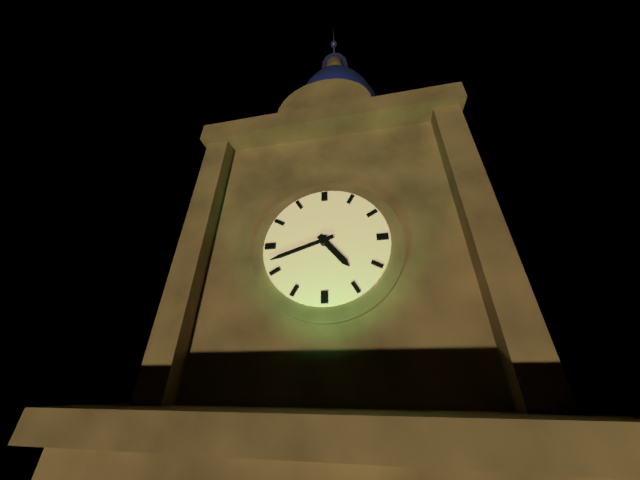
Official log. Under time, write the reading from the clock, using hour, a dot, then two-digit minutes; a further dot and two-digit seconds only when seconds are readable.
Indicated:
4.42
